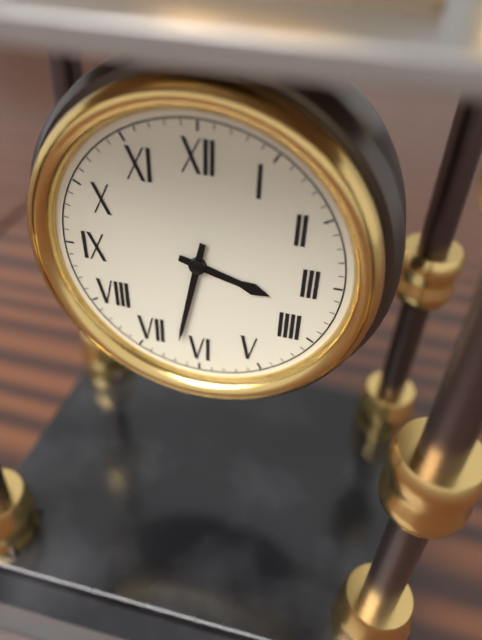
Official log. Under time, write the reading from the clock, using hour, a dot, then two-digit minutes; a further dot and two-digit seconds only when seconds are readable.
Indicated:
3.32
